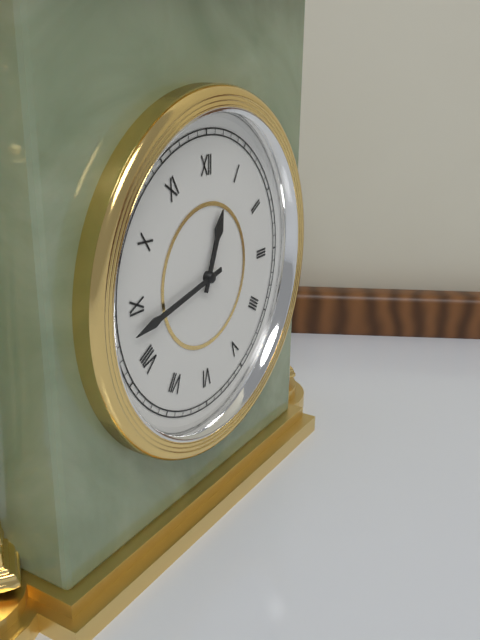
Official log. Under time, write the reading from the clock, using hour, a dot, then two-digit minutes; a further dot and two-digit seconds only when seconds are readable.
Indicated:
12.43
